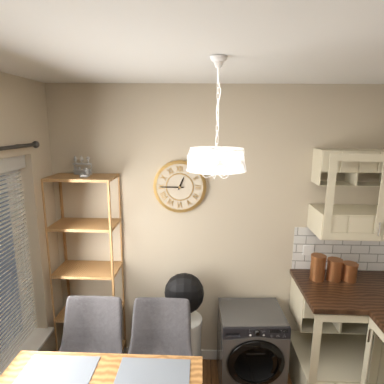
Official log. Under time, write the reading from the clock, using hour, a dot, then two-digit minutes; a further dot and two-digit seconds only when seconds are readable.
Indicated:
12.45
